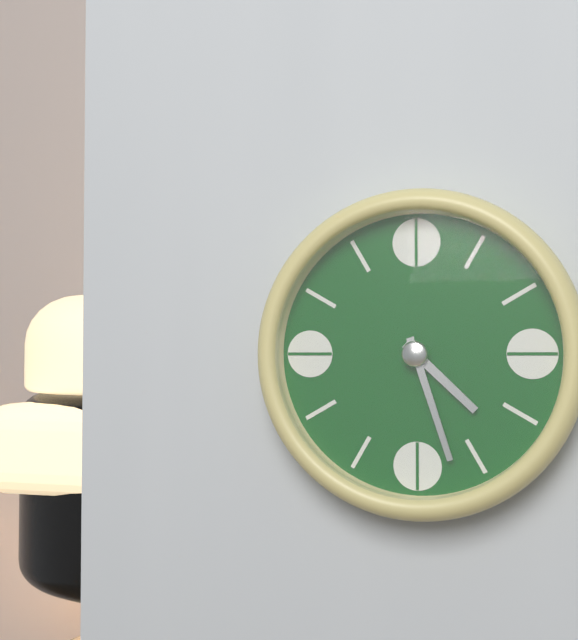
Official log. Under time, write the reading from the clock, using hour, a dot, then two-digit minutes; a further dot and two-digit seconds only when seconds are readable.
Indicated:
4.27
